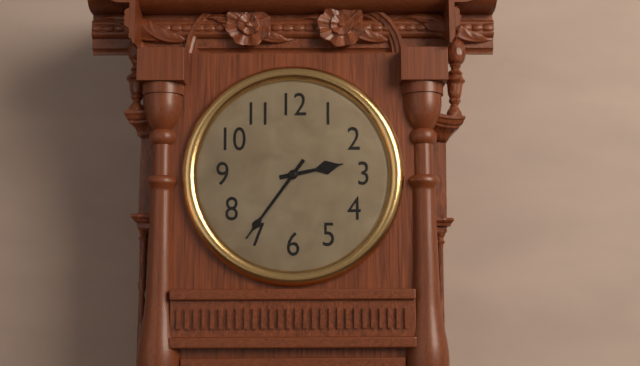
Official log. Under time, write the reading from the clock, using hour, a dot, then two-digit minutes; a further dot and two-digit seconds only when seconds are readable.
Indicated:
2.36
